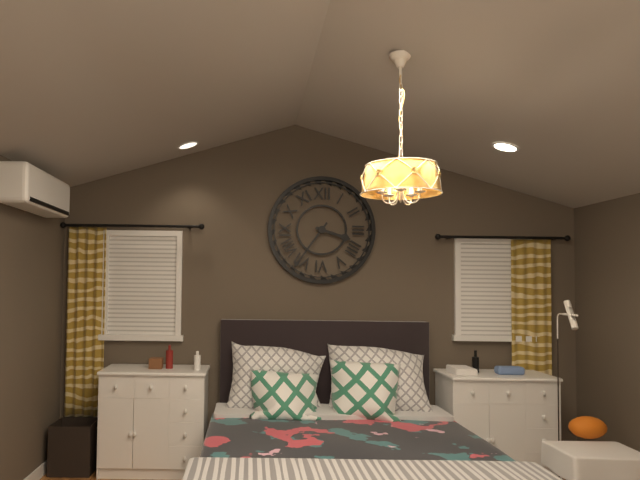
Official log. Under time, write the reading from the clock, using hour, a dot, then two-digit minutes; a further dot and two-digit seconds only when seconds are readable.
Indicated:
3.36
